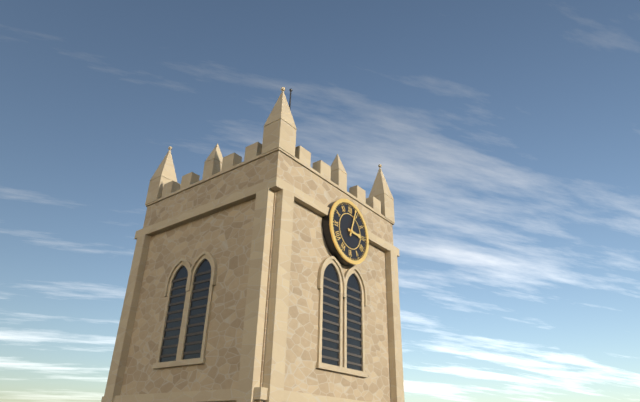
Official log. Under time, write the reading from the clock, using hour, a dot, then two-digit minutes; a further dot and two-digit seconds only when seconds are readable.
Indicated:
3.03
